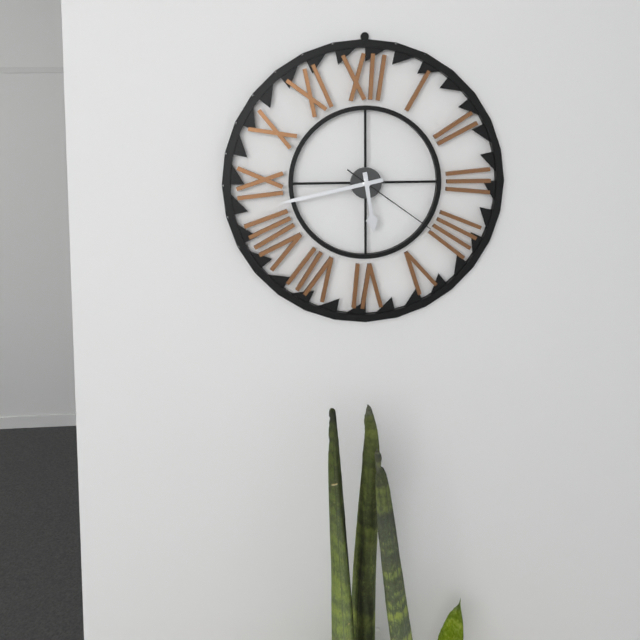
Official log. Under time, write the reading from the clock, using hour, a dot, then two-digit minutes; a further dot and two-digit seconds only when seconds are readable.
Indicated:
5.43.21
